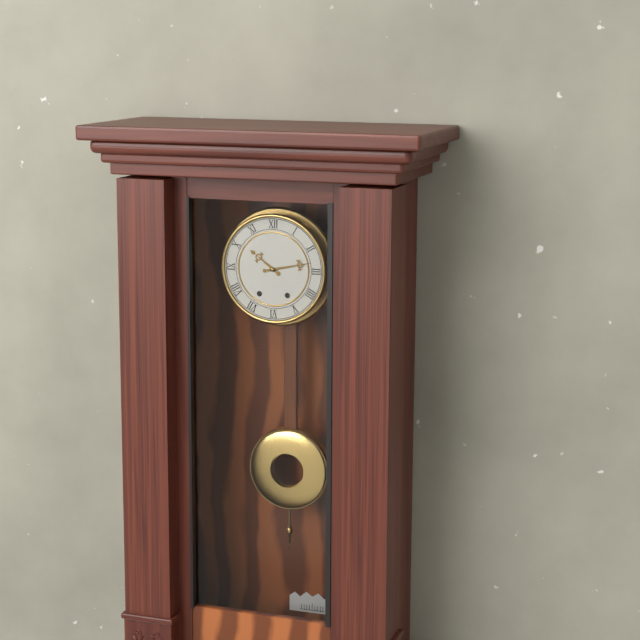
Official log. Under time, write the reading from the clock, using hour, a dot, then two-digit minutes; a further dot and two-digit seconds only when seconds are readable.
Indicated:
10.13
